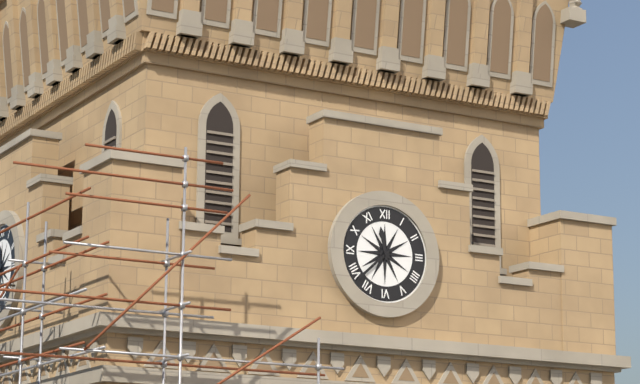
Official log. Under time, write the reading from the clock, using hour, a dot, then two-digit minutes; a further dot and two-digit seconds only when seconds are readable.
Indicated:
11.38
